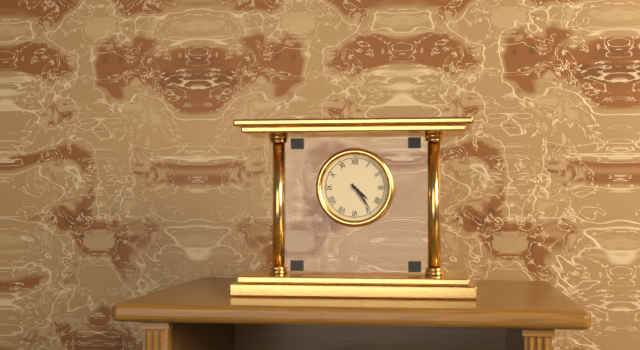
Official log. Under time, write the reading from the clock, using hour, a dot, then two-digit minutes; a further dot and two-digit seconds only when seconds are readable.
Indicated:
4.24
